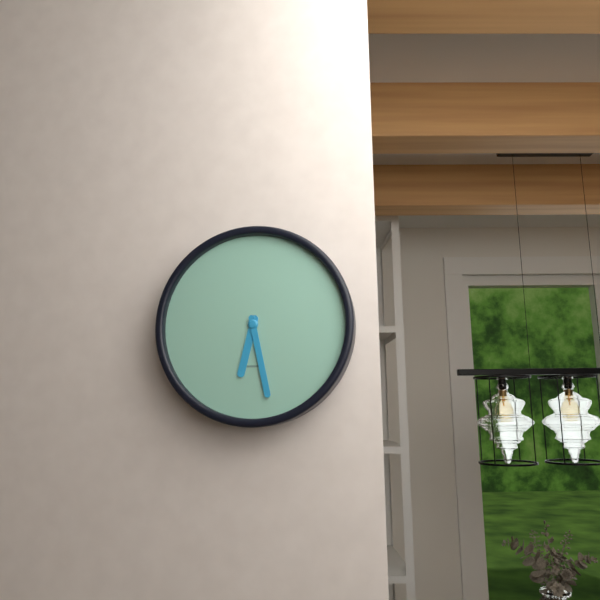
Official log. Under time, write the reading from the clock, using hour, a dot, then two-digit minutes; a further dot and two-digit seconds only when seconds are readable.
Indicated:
6.28
